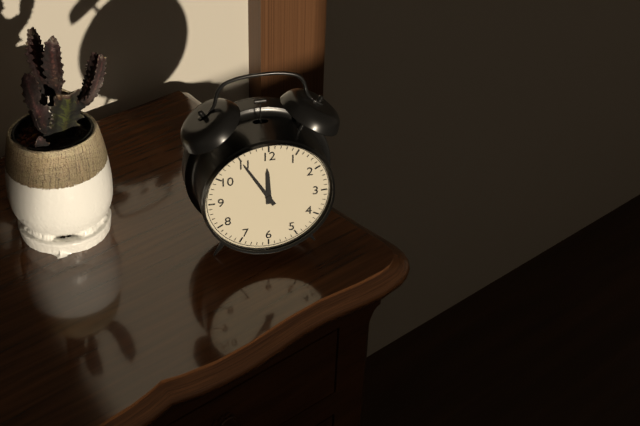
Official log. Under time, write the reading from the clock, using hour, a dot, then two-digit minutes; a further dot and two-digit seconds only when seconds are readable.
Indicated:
11.55
